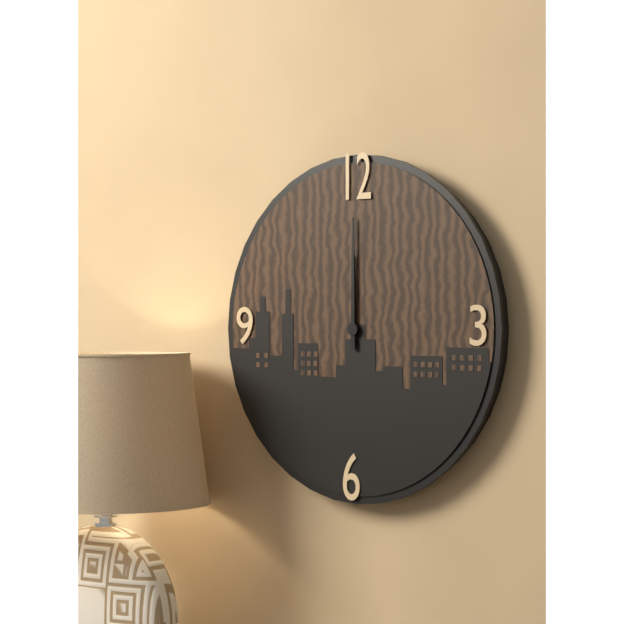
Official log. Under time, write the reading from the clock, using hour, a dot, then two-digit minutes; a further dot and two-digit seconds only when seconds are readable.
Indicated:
12.00
